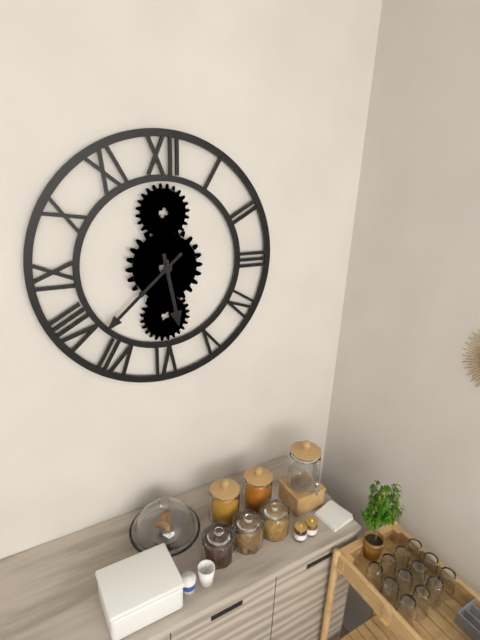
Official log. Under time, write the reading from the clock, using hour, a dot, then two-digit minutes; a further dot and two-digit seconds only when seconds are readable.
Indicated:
5.38
